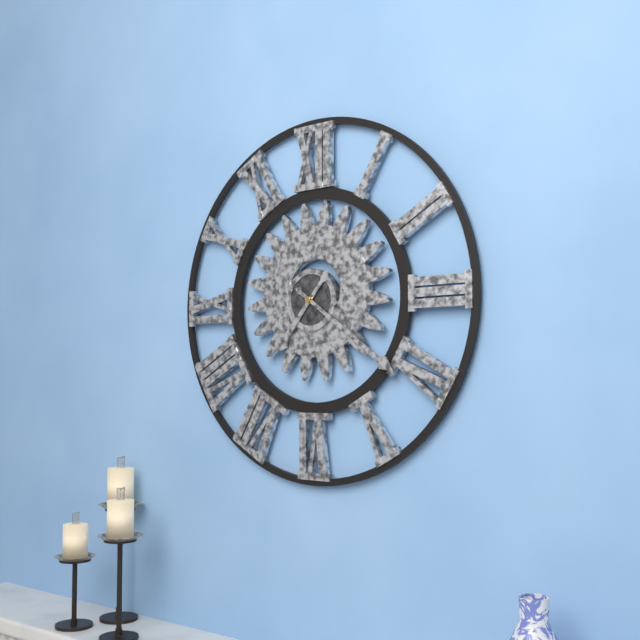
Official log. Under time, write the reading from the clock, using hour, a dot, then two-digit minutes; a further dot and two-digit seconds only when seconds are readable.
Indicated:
7.21
